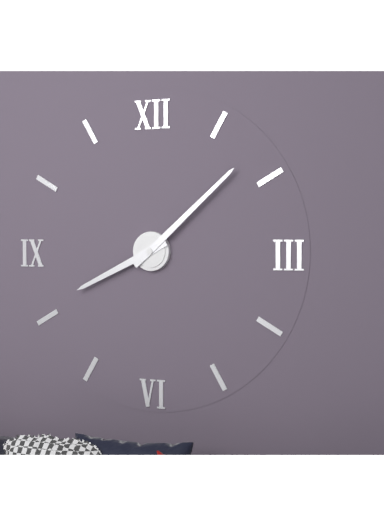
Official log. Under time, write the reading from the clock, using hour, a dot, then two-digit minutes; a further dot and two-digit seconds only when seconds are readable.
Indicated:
8.08
